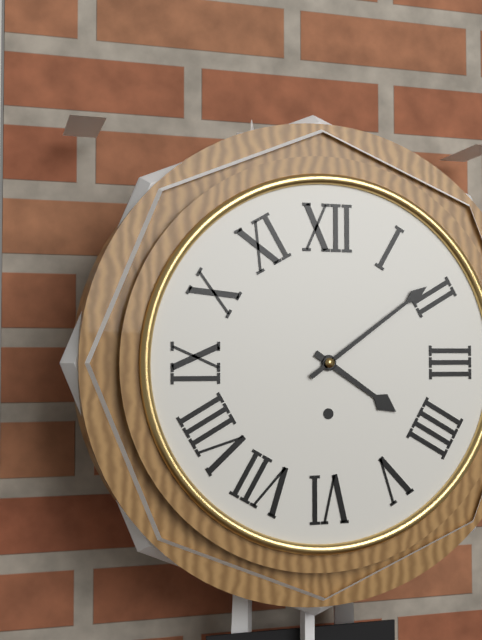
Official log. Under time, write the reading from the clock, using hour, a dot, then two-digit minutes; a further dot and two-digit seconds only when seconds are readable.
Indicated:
4.09
